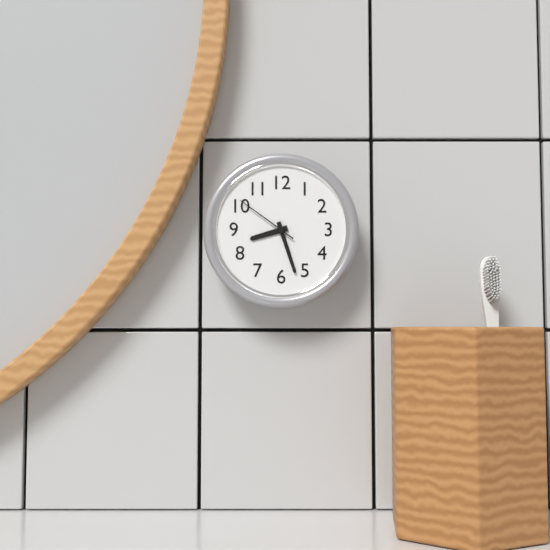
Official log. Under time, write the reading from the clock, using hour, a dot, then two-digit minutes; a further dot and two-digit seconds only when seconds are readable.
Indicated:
8.27.51
